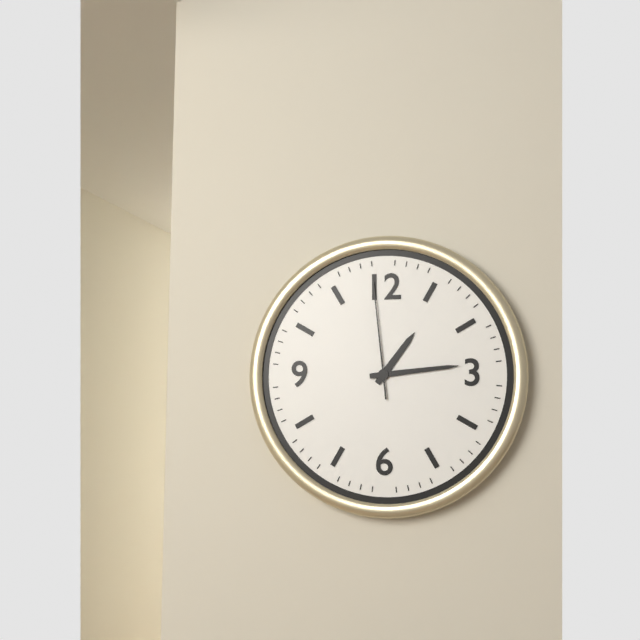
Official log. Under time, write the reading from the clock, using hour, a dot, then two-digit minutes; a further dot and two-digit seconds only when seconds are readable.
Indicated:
1.14.59
